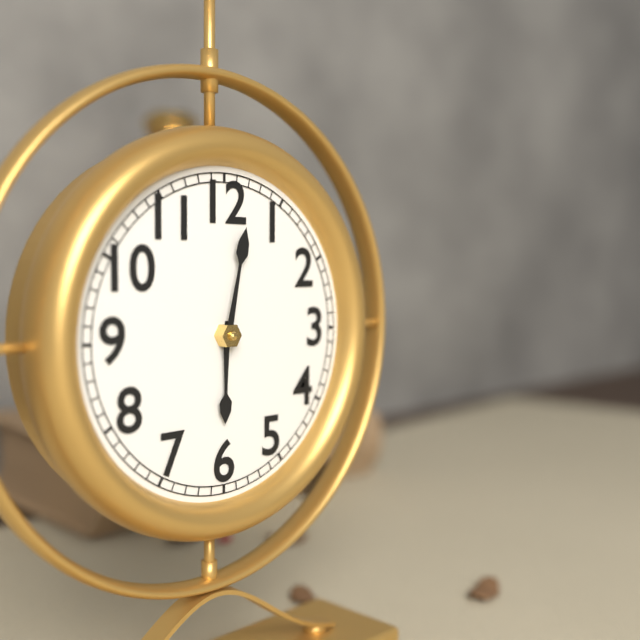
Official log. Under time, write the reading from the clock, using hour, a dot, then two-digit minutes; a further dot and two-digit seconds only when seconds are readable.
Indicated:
6.02
